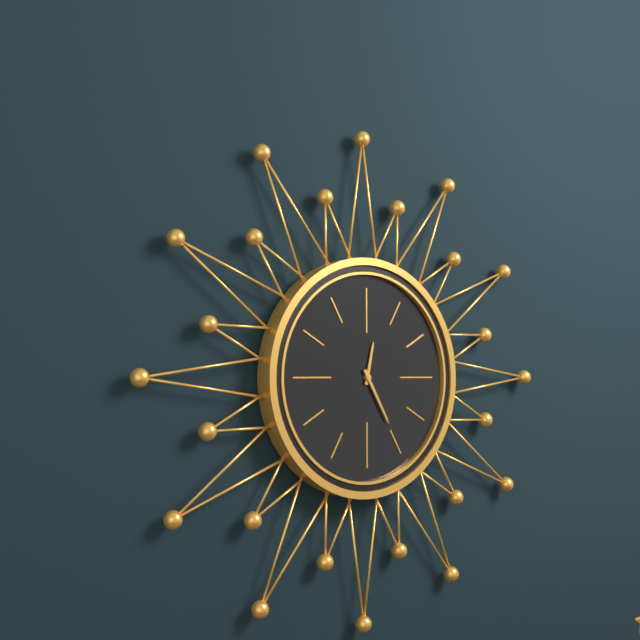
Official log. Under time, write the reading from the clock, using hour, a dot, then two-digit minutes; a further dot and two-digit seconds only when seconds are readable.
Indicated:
12.25
